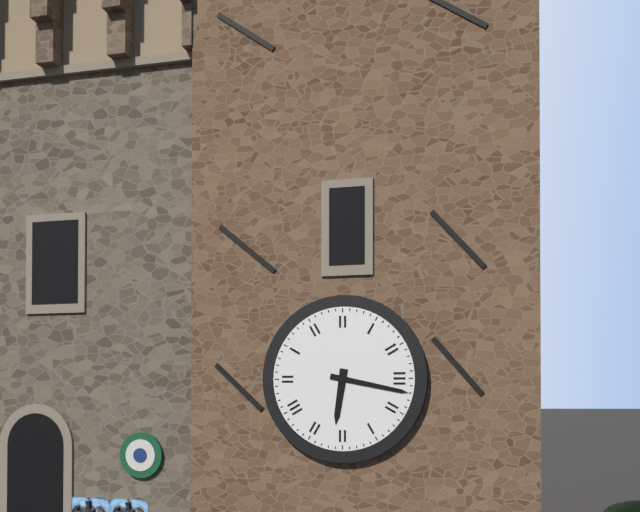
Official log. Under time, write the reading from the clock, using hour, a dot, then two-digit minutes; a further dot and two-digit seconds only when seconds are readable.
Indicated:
6.17
